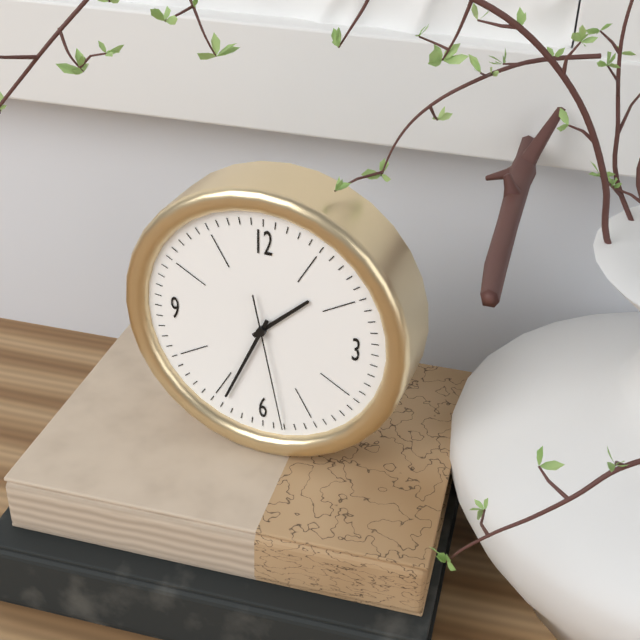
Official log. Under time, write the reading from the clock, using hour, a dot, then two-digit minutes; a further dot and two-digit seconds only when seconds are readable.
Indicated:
1.34.28
